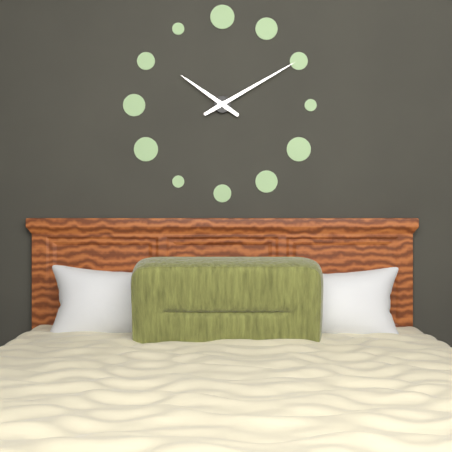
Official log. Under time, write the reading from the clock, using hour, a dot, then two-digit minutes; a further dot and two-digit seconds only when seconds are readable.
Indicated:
10.10
